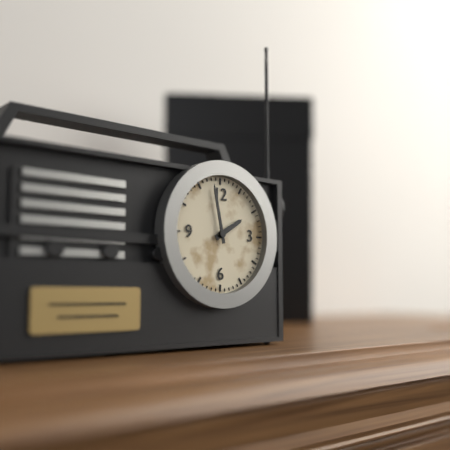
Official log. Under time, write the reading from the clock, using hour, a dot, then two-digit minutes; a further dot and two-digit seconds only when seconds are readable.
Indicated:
1.58
